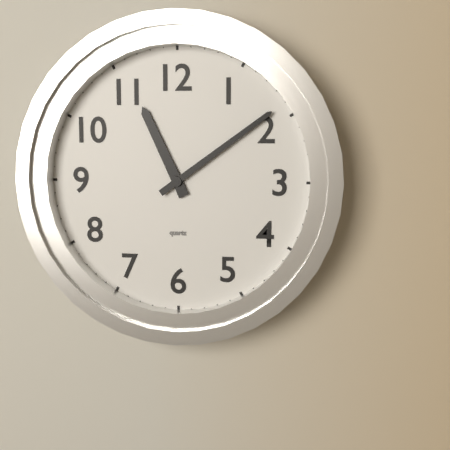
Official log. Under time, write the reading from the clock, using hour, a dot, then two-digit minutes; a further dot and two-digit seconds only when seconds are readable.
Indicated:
11.09
